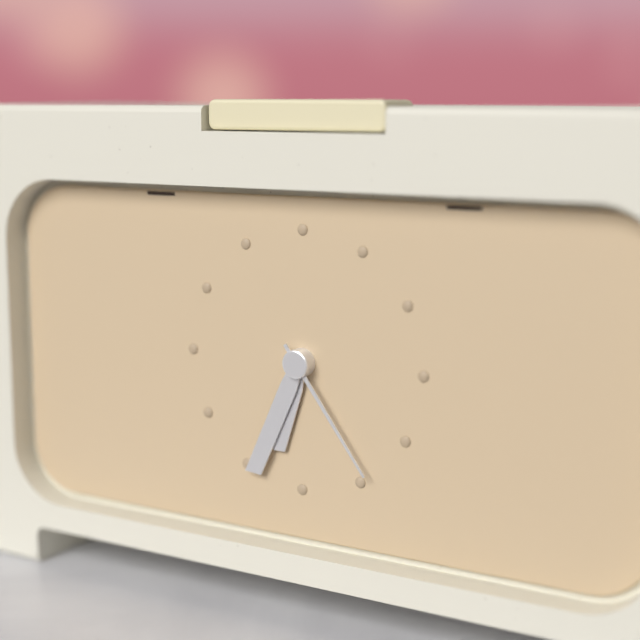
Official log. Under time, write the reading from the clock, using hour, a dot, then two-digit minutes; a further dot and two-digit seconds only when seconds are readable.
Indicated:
6.34.24
